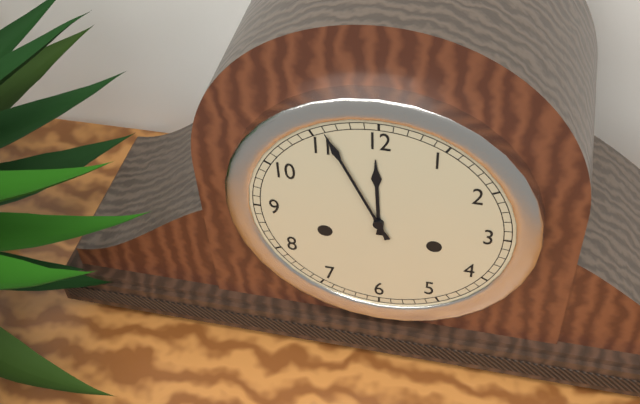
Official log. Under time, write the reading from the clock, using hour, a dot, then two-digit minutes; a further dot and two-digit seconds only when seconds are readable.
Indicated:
11.56
